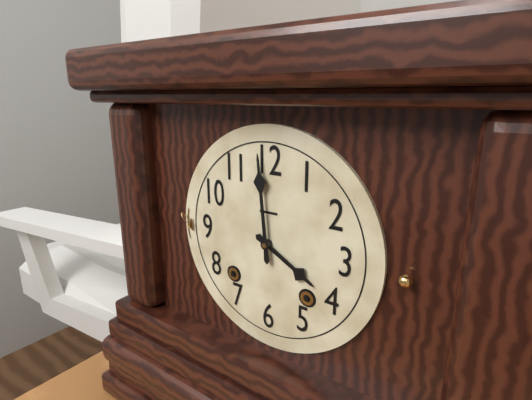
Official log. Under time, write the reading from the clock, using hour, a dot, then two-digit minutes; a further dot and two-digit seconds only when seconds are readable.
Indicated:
3.59
